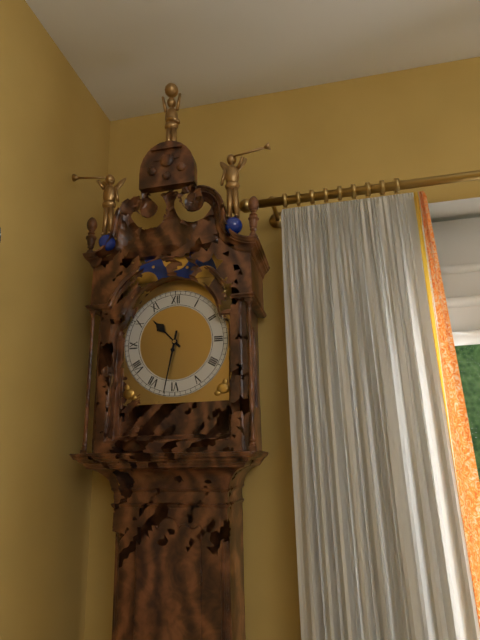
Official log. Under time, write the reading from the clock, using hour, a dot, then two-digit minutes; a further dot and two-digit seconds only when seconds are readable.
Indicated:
10.32
